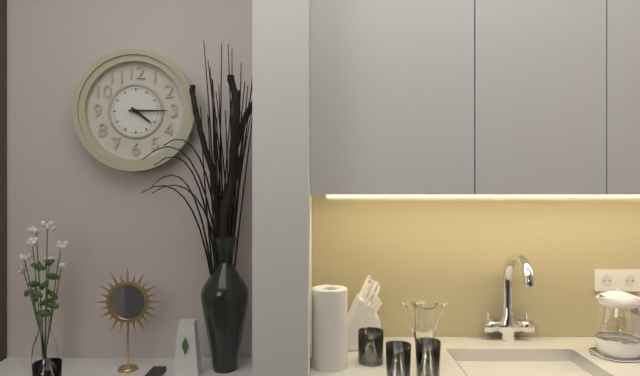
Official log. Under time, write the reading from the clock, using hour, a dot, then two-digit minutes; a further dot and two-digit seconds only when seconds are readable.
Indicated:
4.15
